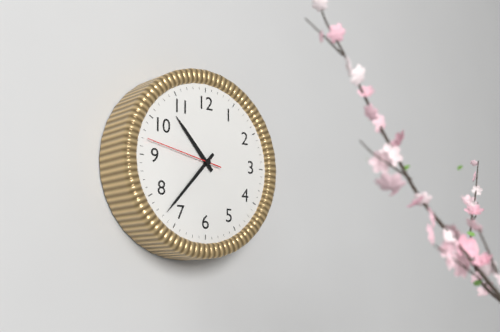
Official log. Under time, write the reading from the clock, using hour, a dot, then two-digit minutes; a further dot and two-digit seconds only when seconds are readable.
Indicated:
10.37.47
